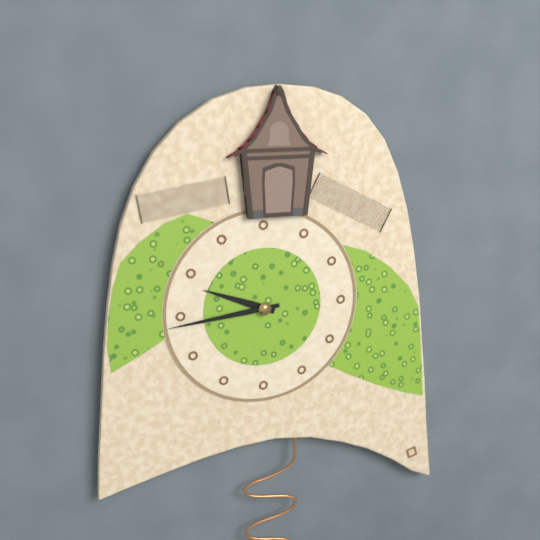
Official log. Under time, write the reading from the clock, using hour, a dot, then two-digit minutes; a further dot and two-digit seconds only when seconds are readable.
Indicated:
9.44
